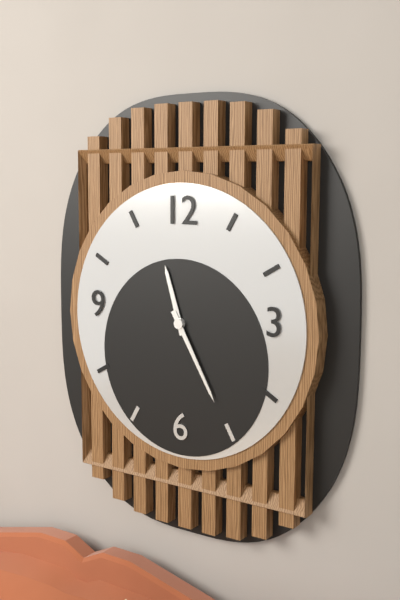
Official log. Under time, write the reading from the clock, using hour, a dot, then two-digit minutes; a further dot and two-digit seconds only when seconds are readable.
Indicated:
11.25
